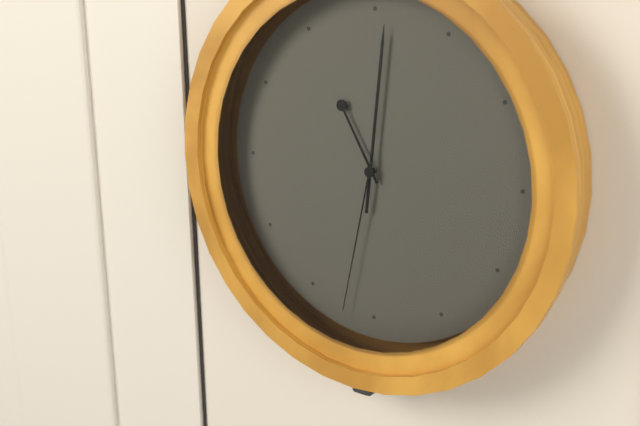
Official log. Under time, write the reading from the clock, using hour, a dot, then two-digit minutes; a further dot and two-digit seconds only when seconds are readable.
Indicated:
11.01.32
